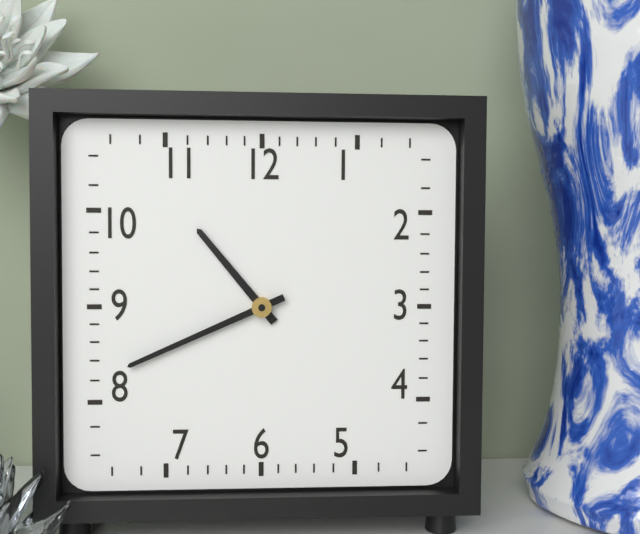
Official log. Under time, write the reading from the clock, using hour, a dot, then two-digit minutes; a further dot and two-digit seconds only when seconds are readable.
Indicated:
10.41
